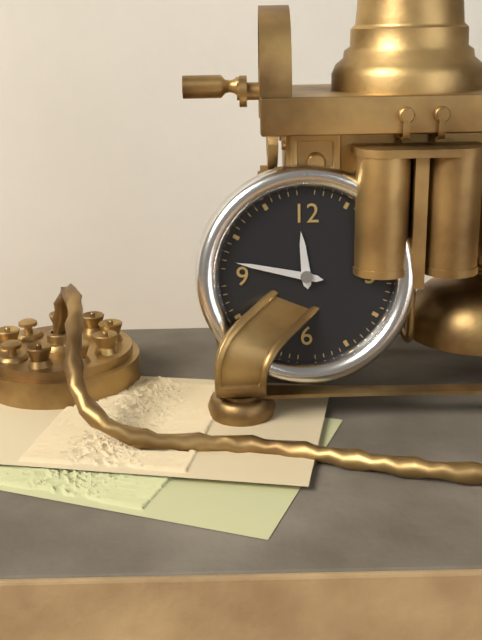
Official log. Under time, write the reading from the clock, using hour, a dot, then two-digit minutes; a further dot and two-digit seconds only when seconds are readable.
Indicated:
11.47
